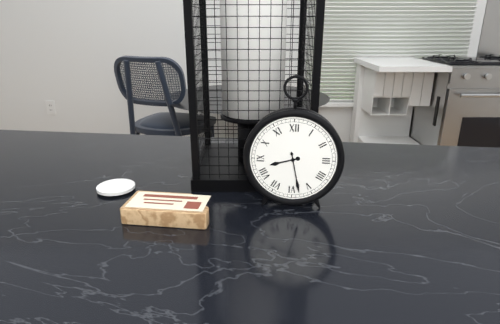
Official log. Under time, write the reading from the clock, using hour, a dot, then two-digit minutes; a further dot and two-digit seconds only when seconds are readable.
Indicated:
8.28
